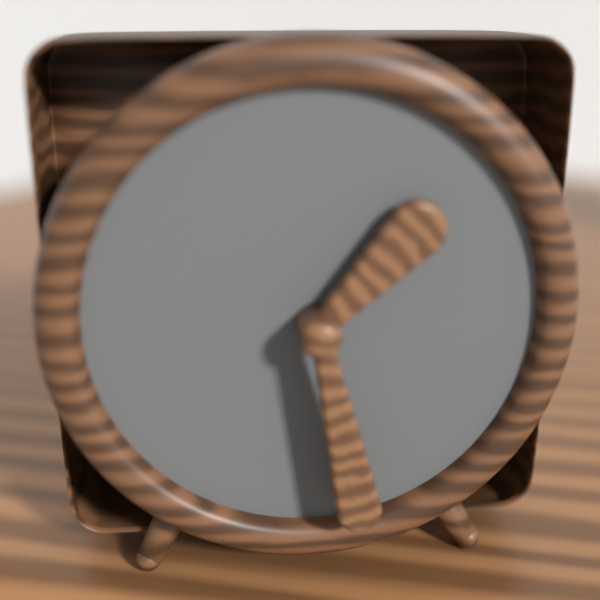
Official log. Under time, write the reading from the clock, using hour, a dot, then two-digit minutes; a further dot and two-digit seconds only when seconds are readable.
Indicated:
1.28
